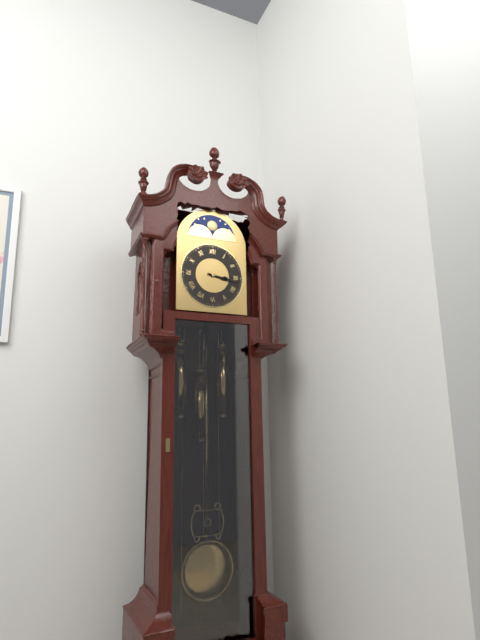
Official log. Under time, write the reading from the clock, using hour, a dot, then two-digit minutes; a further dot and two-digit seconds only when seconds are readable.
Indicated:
3.17
